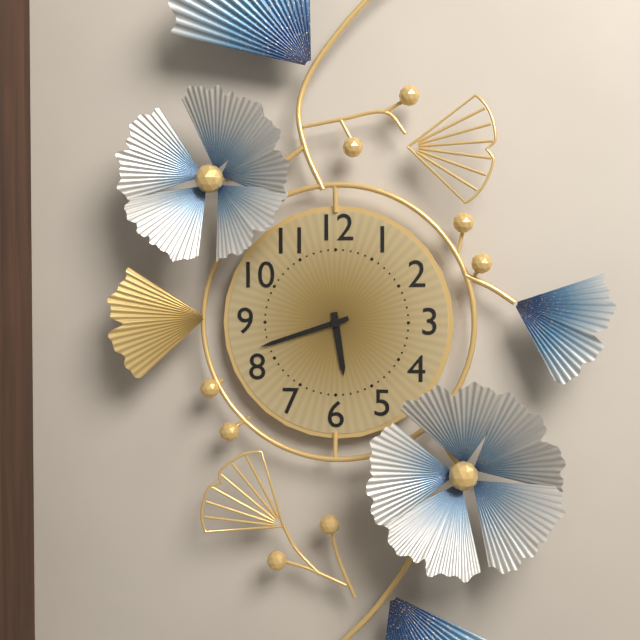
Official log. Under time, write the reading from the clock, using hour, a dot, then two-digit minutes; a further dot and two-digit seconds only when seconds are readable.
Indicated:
5.42
